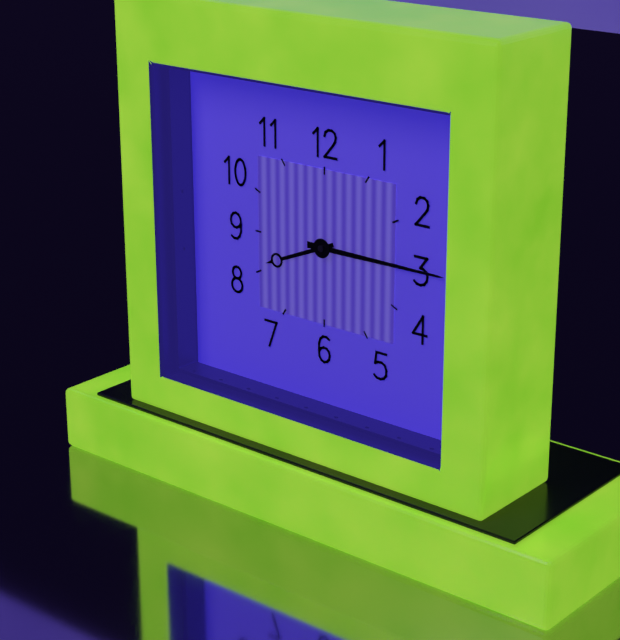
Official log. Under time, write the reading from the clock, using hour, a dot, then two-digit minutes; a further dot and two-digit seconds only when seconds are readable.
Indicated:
8.15
